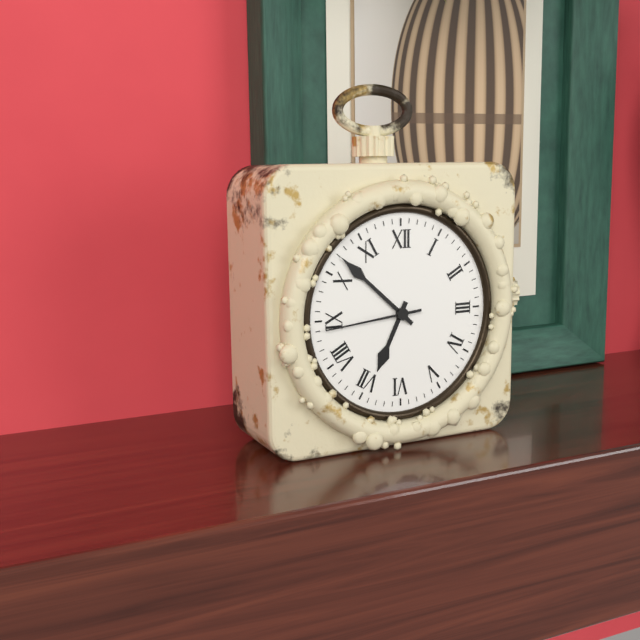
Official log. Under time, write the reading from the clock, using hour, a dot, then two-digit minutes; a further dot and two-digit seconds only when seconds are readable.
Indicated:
6.52.44
